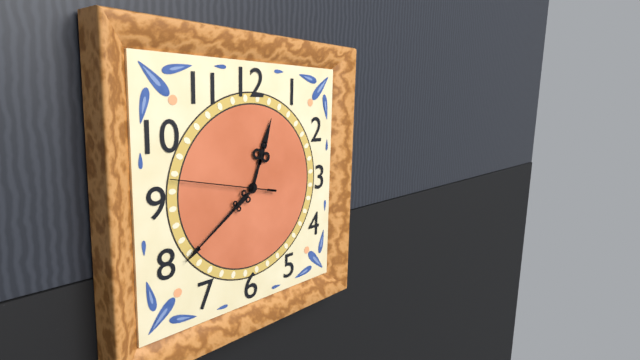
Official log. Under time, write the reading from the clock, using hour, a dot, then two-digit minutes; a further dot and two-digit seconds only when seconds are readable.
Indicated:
12.39.47
